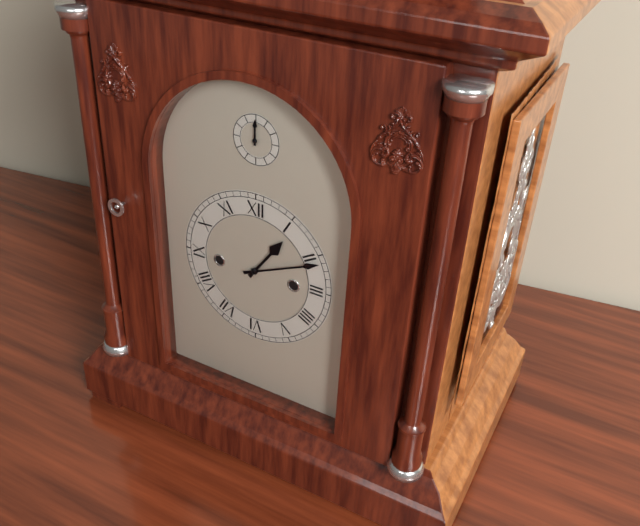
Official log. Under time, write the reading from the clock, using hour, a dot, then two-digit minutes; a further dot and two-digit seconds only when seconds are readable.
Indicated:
1.11
